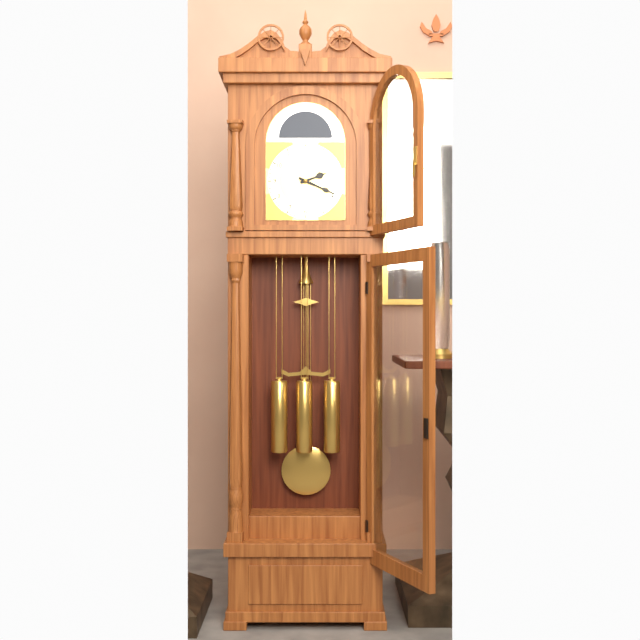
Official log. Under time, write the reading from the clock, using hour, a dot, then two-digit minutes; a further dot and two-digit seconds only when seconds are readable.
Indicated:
2.19
